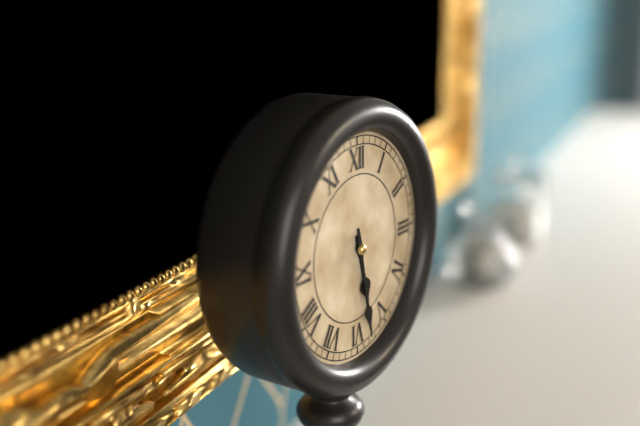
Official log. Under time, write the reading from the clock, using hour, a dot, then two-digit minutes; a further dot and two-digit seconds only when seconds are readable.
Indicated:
5.28
